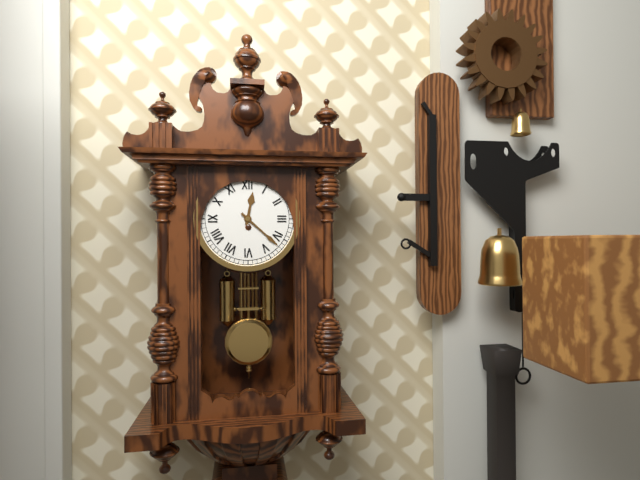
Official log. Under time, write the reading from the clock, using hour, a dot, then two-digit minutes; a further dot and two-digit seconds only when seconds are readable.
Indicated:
12.22
